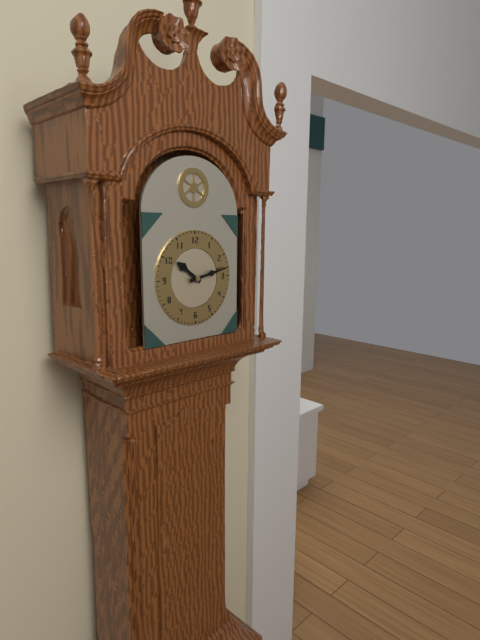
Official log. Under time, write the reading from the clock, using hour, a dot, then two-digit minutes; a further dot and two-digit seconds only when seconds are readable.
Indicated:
10.13
